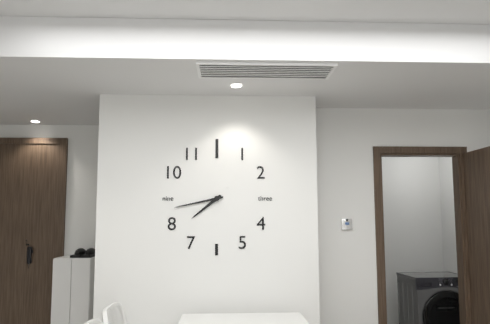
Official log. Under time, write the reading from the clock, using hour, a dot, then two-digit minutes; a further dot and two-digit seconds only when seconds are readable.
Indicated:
7.43
